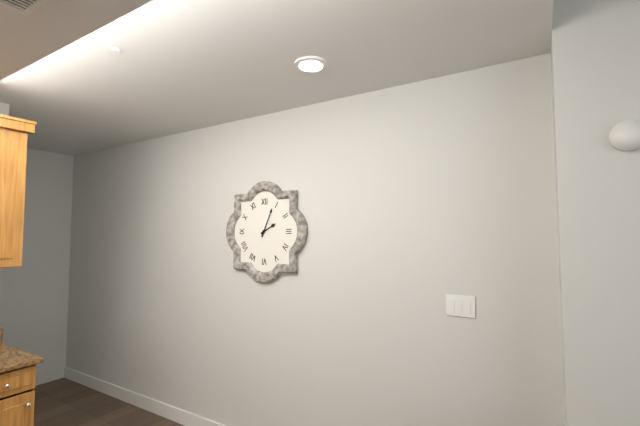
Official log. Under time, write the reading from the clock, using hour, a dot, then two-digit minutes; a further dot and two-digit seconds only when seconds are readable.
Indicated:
2.04
